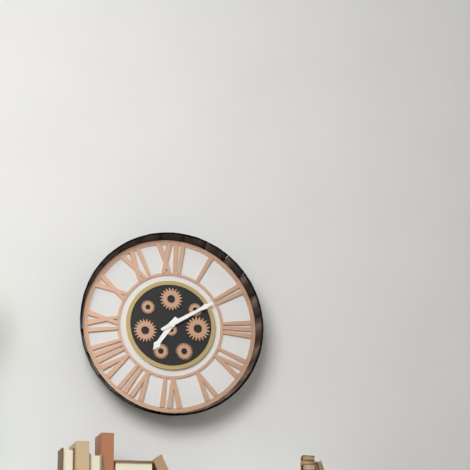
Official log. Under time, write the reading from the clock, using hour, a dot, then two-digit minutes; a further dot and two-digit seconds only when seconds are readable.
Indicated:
7.10
